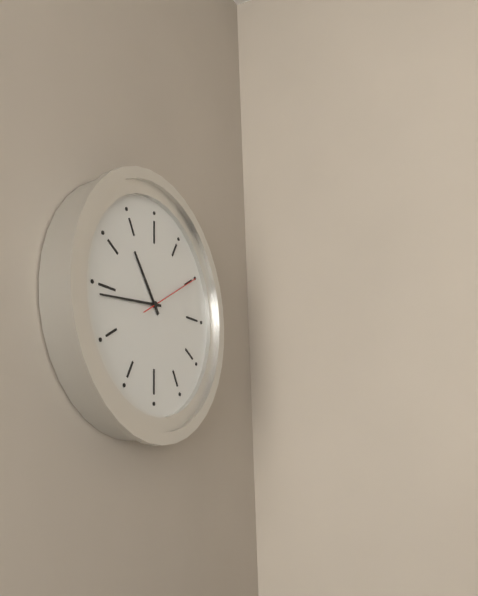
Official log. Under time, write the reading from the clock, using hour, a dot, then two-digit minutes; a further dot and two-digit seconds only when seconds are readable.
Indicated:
10.44.10
